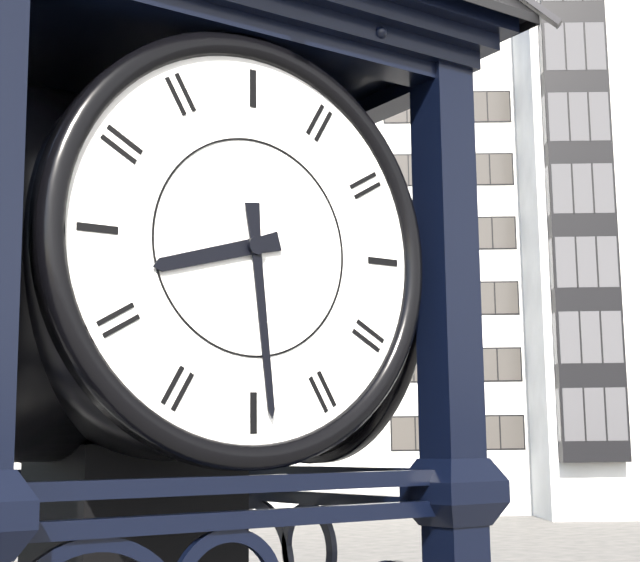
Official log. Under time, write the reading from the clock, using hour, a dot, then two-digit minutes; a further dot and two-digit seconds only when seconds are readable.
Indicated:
8.29
